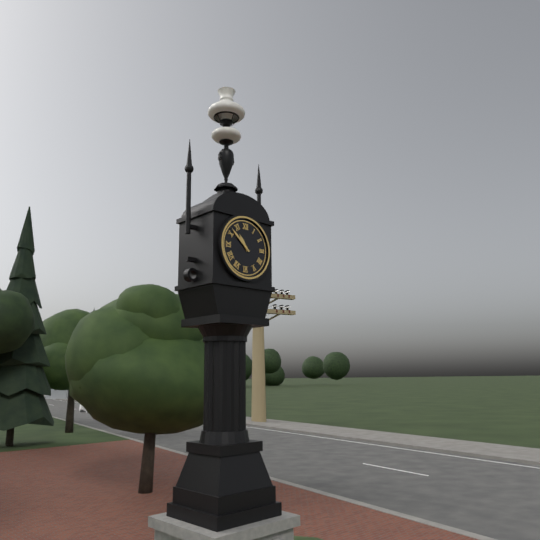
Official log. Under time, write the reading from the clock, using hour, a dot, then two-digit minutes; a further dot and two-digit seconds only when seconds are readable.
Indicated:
10.52
